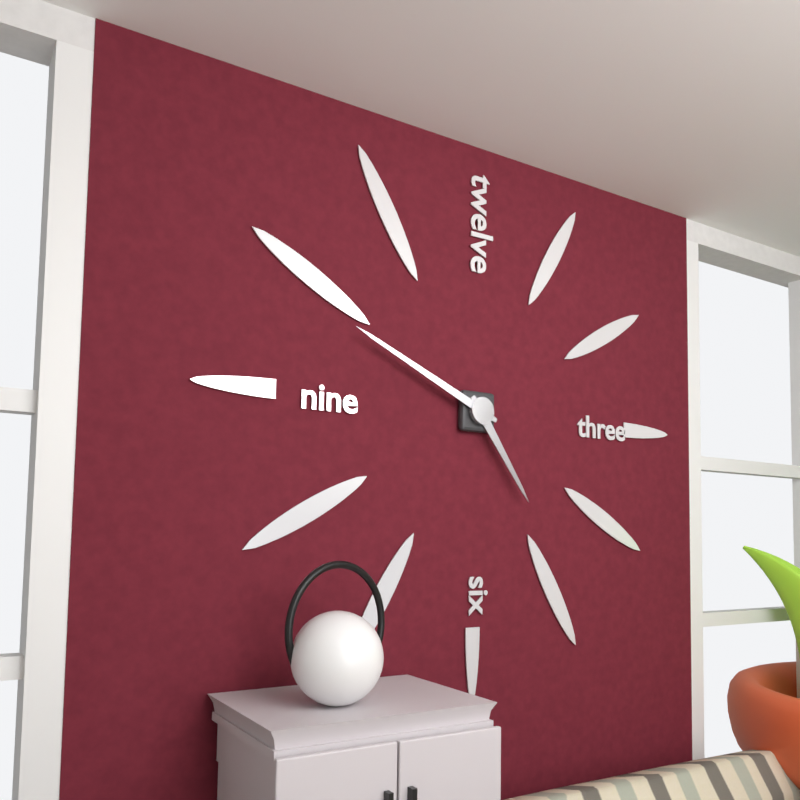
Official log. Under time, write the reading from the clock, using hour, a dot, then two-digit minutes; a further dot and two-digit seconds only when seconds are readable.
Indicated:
4.49
